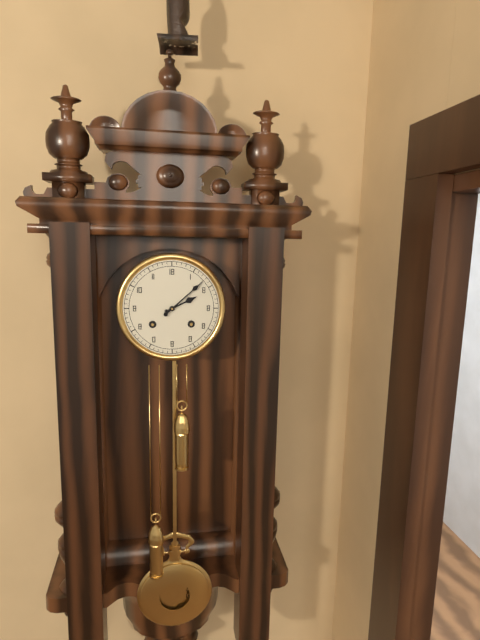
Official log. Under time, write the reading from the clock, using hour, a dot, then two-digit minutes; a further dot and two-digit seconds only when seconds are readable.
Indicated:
2.08
